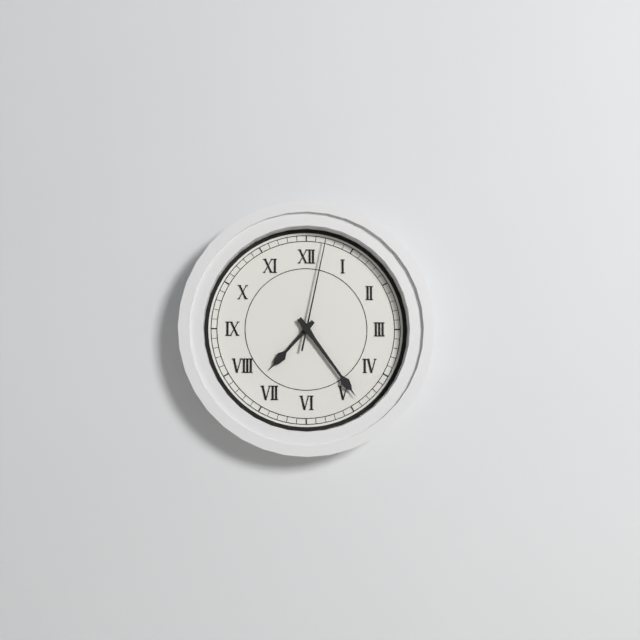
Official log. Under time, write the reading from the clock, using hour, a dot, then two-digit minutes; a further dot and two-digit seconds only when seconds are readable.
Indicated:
7.24.02
